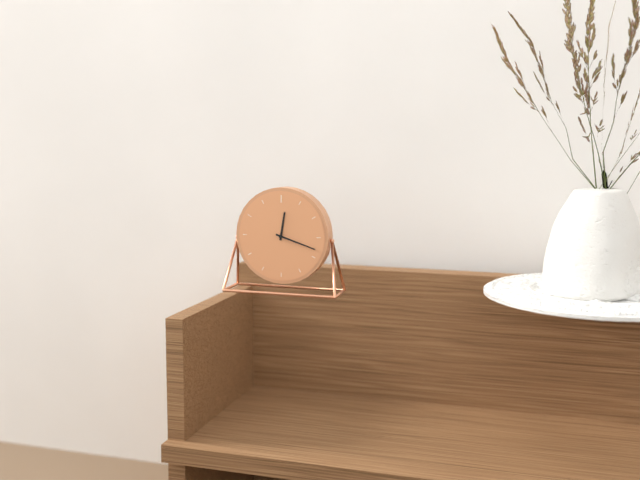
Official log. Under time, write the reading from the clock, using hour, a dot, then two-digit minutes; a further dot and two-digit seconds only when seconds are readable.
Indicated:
12.18
